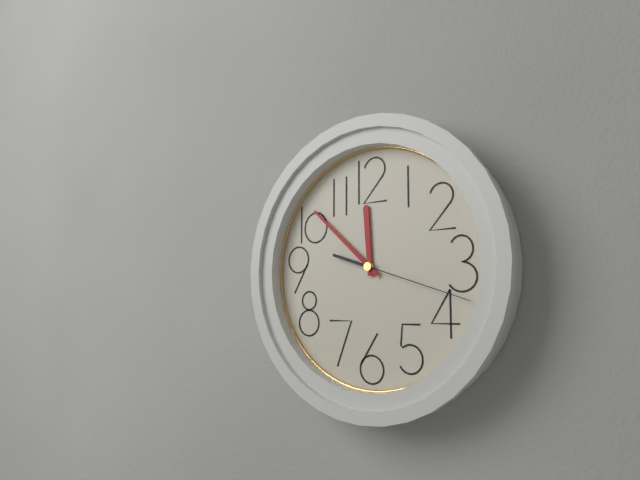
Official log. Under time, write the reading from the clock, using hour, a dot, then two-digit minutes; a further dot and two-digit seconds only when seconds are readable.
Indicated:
11.52.18
